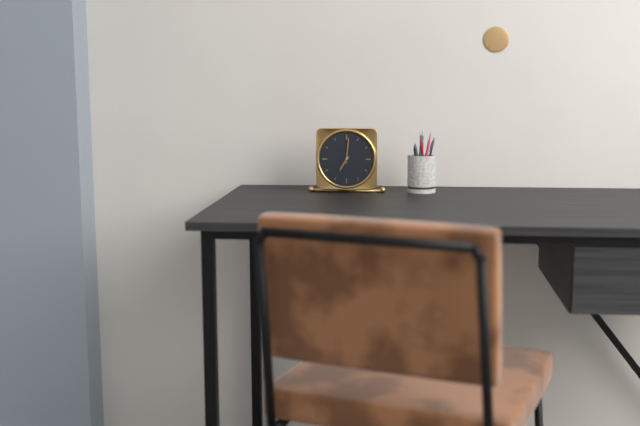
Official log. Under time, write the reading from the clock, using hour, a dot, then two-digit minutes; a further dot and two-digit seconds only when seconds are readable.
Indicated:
7.01
